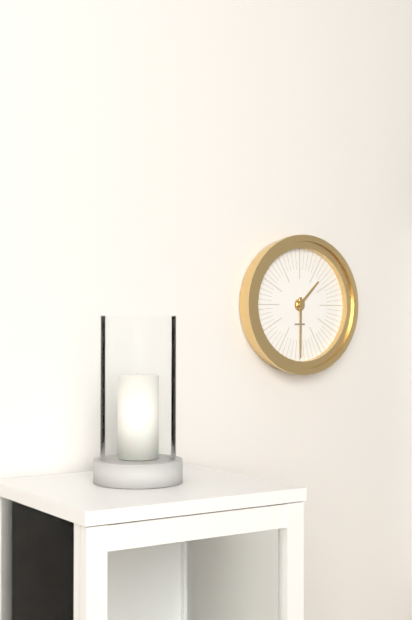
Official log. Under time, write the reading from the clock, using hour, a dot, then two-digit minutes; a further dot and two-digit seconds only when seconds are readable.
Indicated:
1.30
